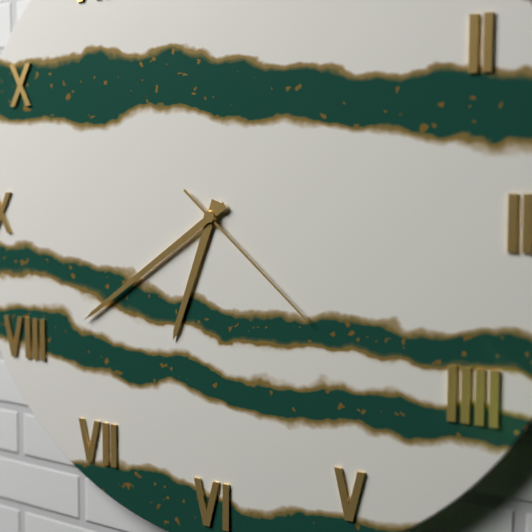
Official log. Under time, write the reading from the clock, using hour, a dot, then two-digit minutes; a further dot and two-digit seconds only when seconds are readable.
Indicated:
6.39.22
